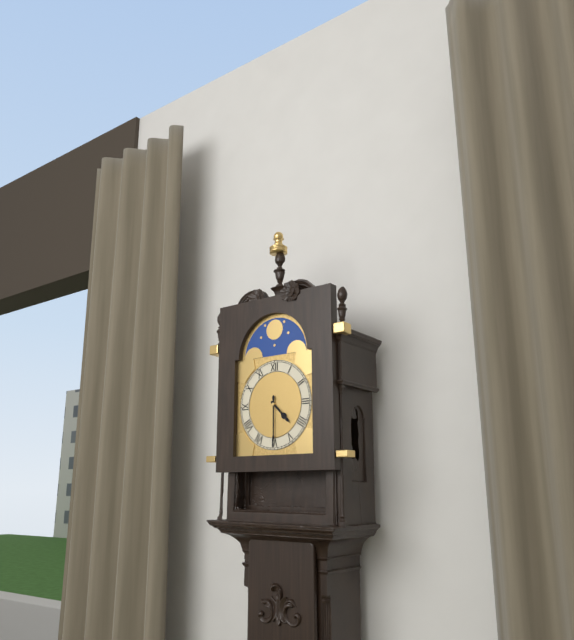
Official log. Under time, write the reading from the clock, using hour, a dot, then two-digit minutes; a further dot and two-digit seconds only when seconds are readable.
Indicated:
4.30
